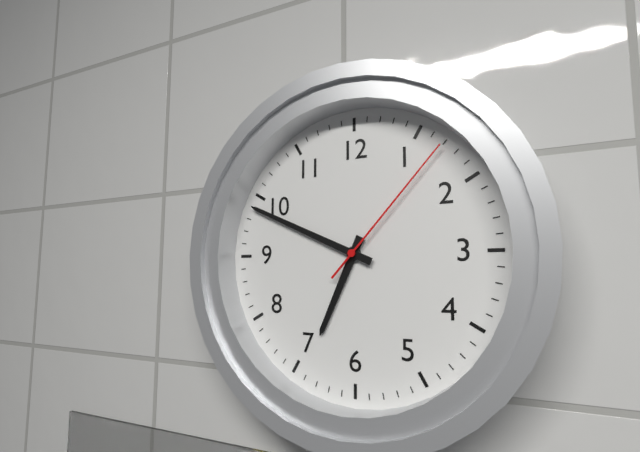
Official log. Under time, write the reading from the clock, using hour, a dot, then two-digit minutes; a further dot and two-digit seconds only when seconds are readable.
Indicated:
6.49.07
